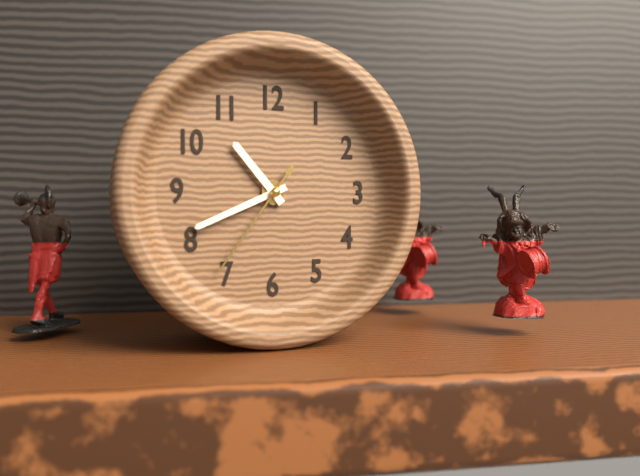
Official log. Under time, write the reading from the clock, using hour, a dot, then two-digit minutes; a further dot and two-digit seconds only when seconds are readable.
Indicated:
10.41.36
